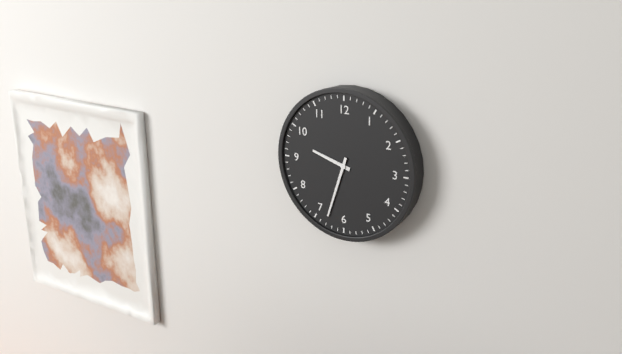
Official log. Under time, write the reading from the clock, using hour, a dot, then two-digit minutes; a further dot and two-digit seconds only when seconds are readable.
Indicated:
9.33
